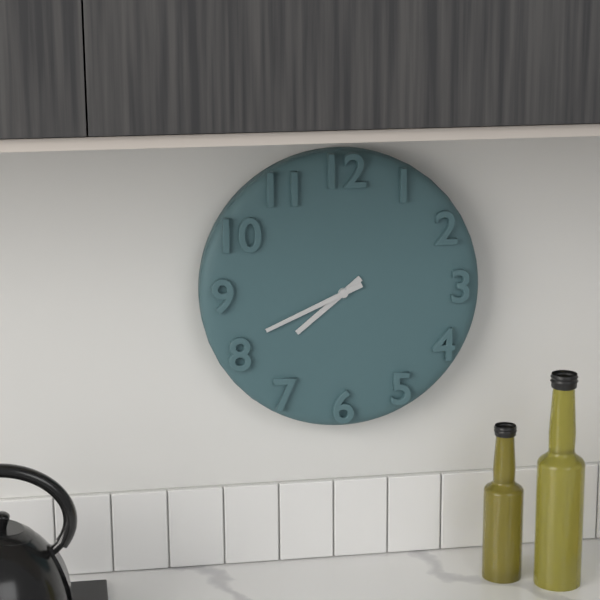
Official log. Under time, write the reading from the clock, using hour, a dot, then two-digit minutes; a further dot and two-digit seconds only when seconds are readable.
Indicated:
7.41
